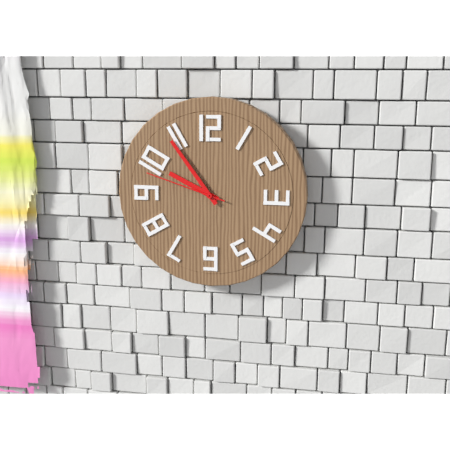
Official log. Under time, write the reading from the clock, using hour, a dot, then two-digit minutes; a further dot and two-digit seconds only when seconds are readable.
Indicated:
9.54.48
